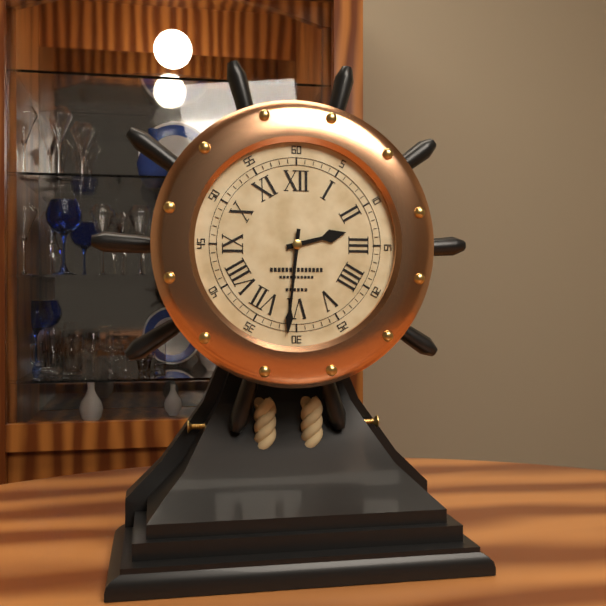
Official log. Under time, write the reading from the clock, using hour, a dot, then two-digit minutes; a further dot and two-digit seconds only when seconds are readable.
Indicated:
2.31
